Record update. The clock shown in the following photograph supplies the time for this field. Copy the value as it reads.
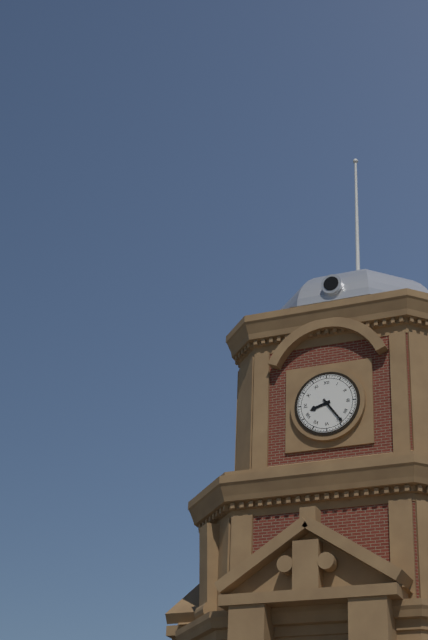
8:24
